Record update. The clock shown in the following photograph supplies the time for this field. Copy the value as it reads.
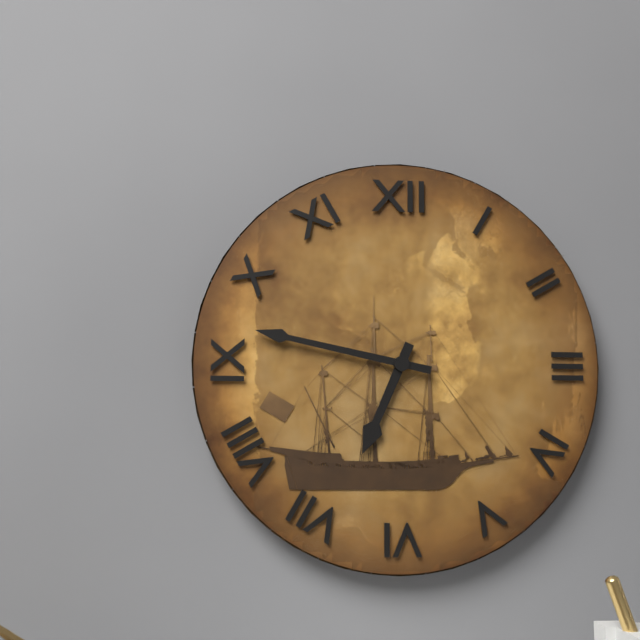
6:47
